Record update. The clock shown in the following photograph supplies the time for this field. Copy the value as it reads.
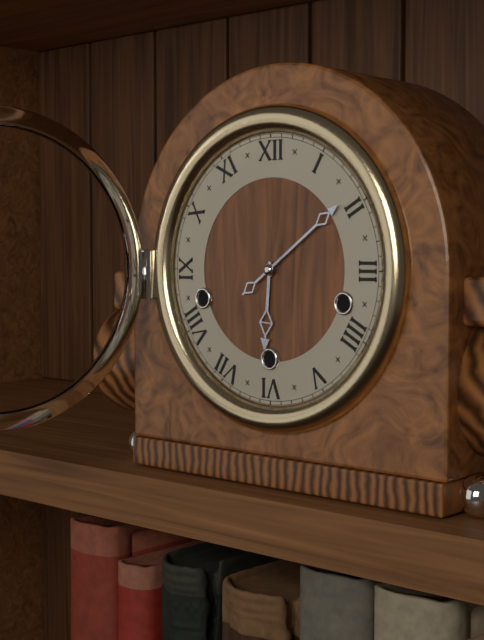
6:09
